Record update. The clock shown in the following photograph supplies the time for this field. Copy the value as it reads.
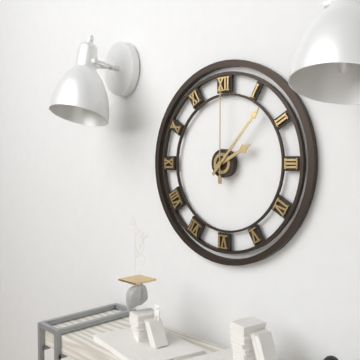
2:07:00
